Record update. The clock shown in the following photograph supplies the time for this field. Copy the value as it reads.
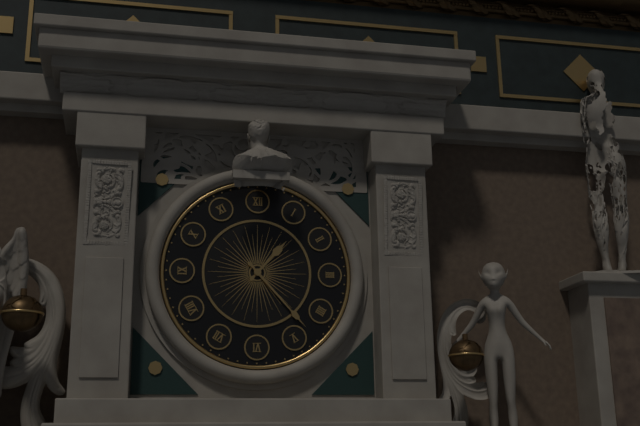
1:23
